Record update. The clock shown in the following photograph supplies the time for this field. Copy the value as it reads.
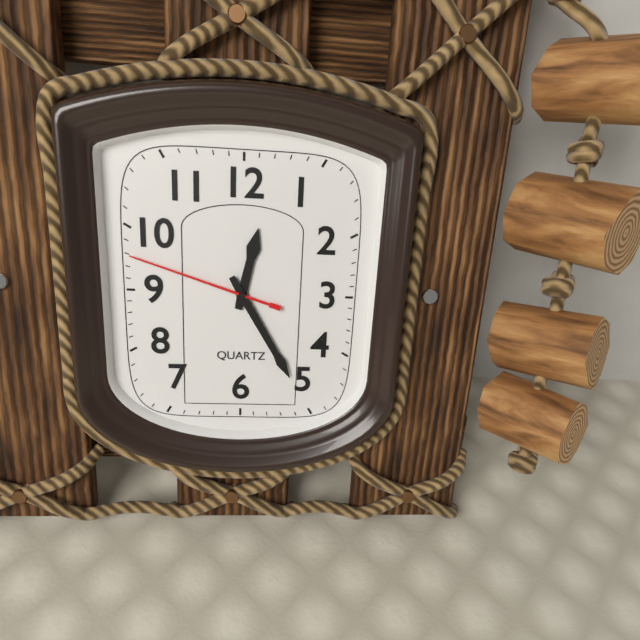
12:25:48
